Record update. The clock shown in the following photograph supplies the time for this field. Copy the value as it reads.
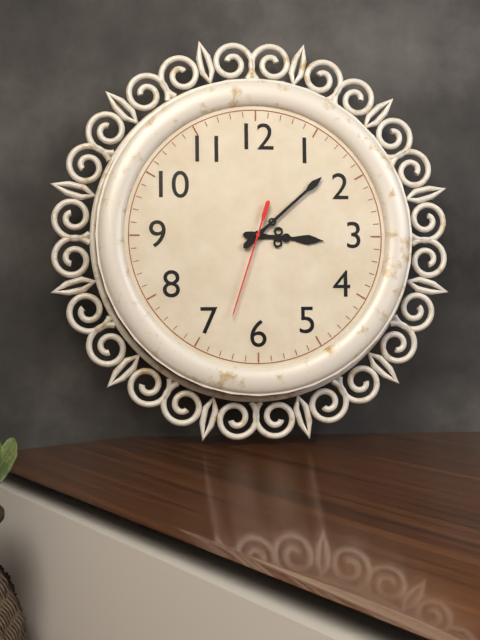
3:08:33
